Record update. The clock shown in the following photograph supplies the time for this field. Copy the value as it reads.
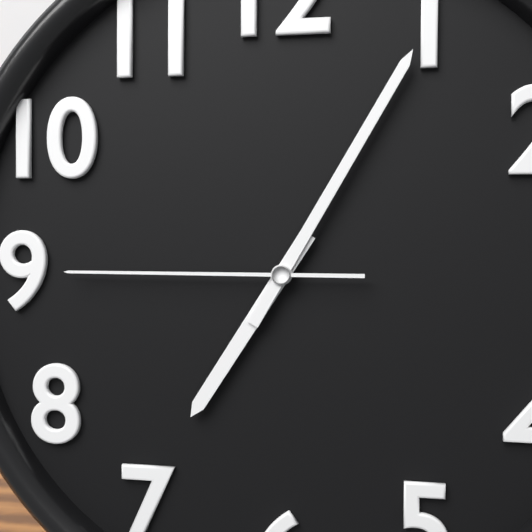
7:05:45
